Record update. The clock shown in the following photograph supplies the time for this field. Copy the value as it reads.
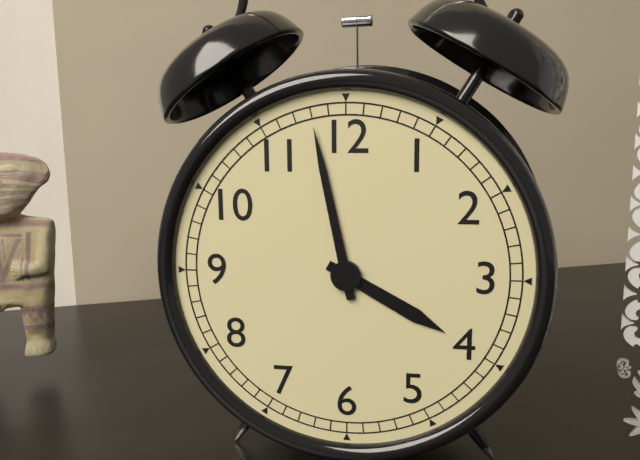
3:58
